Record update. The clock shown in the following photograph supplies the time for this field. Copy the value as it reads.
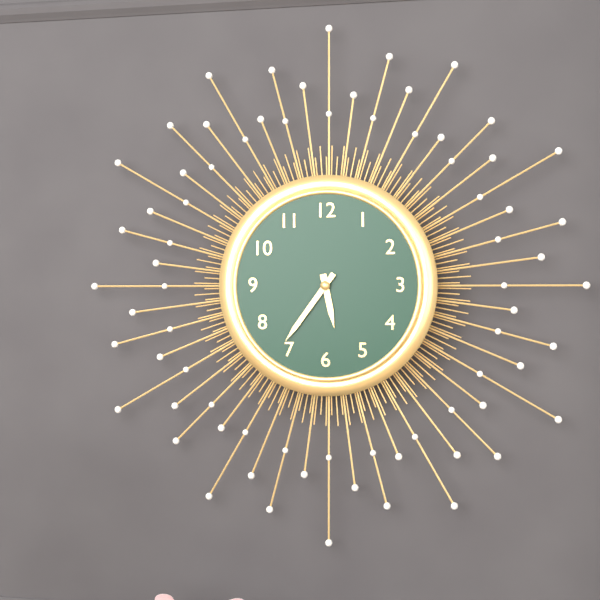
5:36
